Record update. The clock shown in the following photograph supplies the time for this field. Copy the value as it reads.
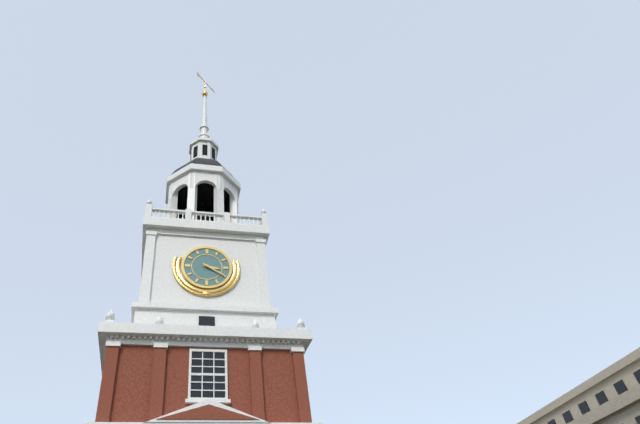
3:20
